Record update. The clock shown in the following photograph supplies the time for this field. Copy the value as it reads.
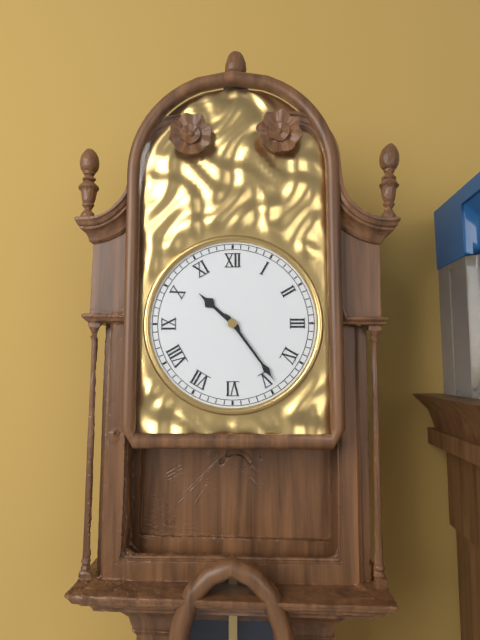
10:24
